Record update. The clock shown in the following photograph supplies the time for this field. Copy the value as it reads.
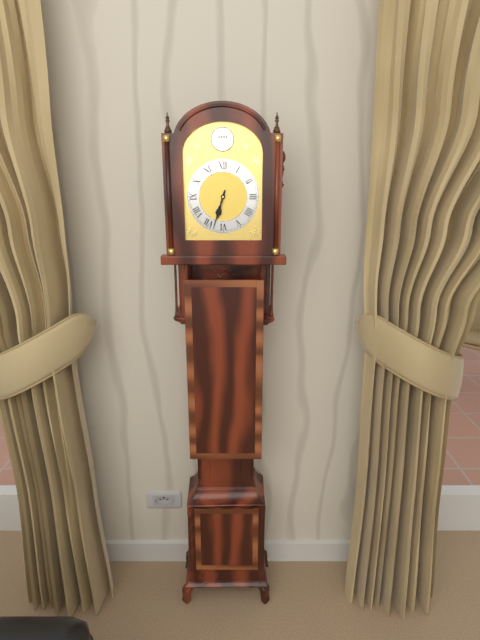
6:33
